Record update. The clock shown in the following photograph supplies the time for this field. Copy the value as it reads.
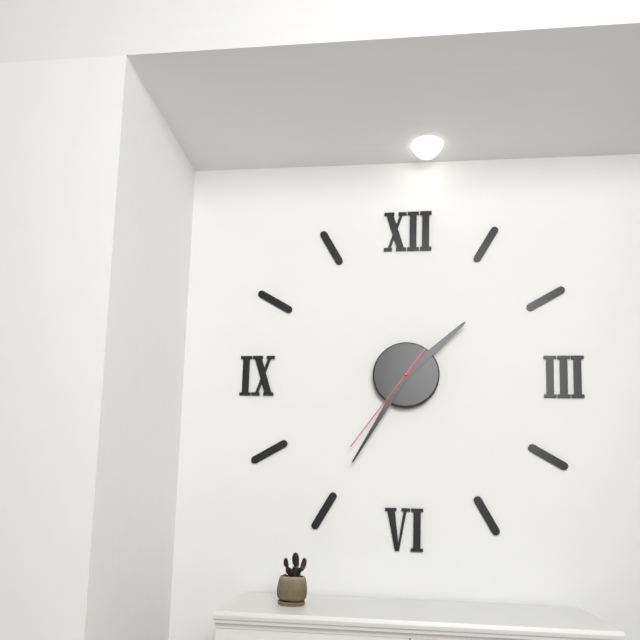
1:35:36
